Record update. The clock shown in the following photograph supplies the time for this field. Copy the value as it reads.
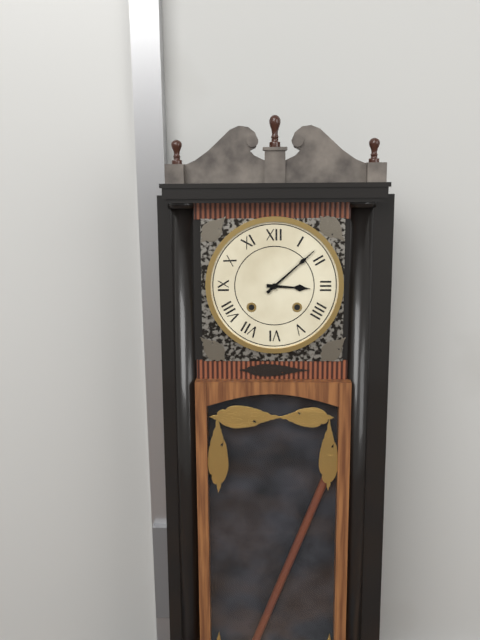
3:08
